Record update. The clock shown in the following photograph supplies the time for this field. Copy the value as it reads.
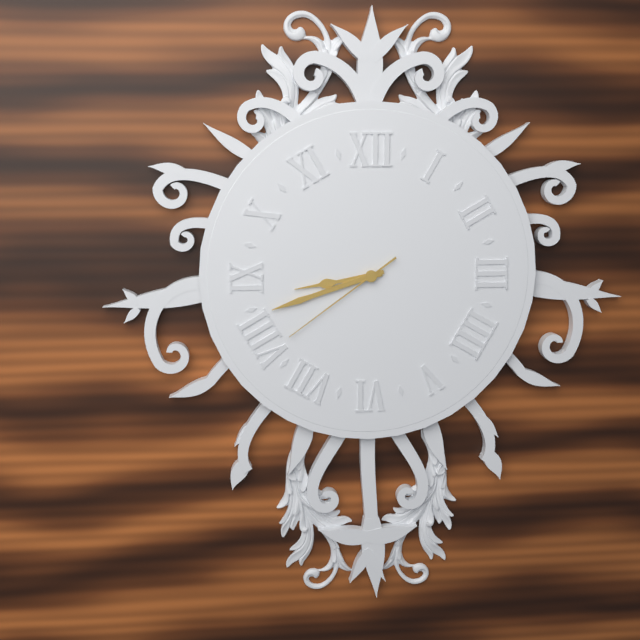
8:42:39
